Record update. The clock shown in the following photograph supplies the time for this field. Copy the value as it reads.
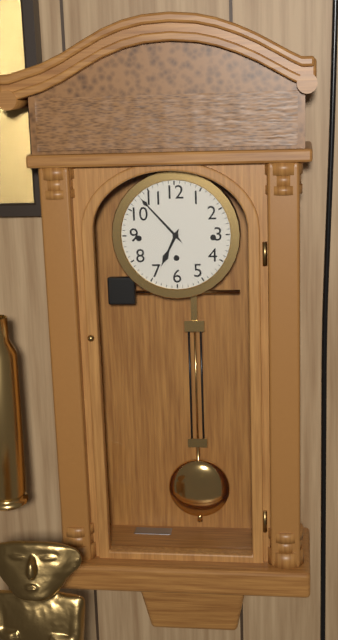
6:53
